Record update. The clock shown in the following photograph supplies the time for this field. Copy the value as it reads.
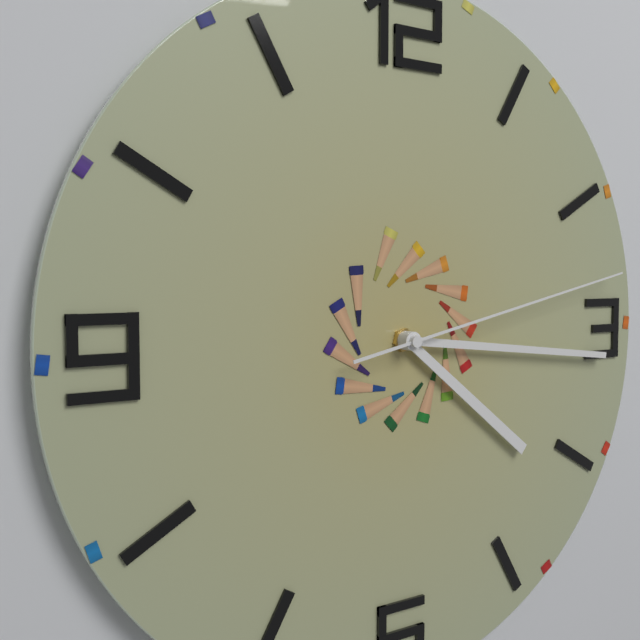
4:16:13
